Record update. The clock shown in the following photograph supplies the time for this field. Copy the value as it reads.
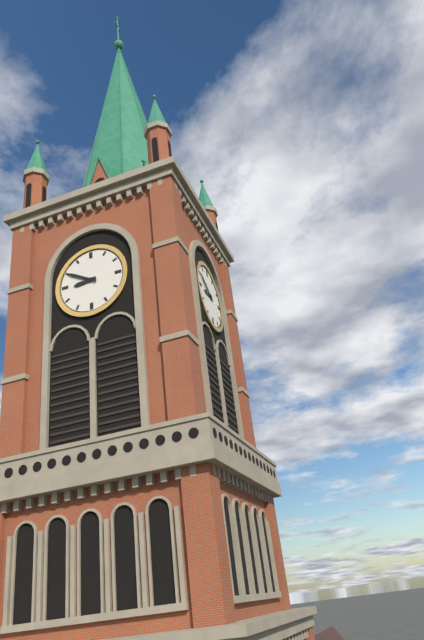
8:50
